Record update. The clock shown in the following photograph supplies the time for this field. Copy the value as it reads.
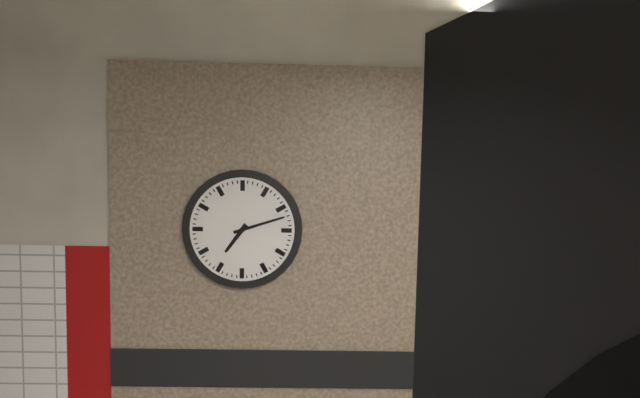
7:12
